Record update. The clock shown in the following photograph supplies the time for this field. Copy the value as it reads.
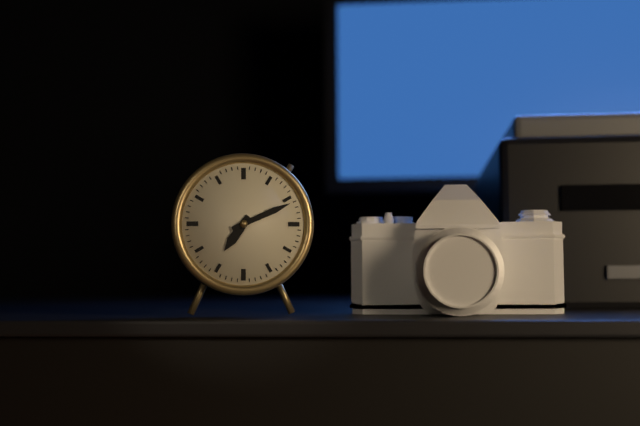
7:11
